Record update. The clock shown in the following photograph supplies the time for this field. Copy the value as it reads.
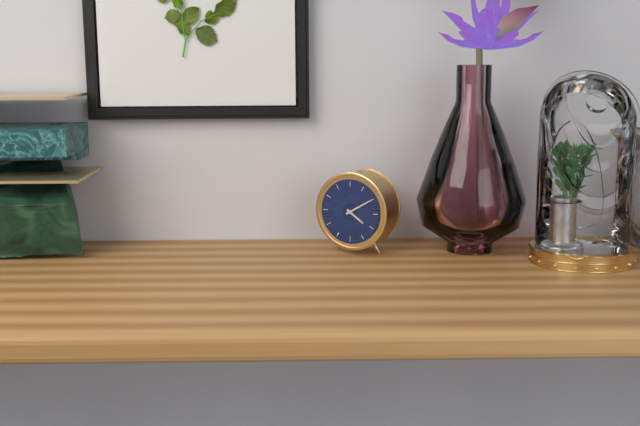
4:10
